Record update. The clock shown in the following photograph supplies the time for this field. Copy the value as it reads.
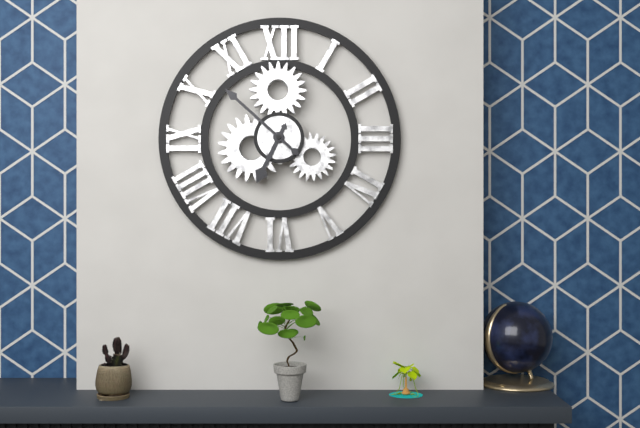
6:52
